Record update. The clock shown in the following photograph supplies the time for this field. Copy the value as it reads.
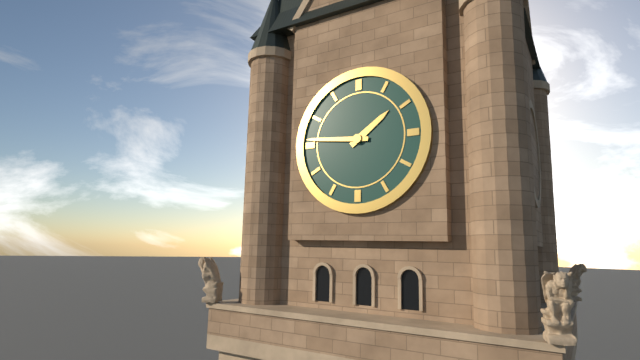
1:46
